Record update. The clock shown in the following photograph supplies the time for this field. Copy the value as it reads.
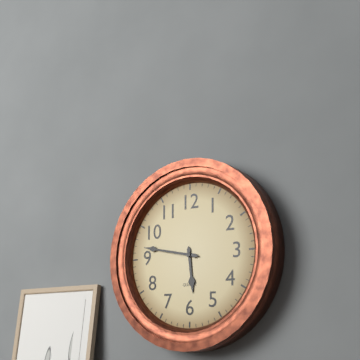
5:47
